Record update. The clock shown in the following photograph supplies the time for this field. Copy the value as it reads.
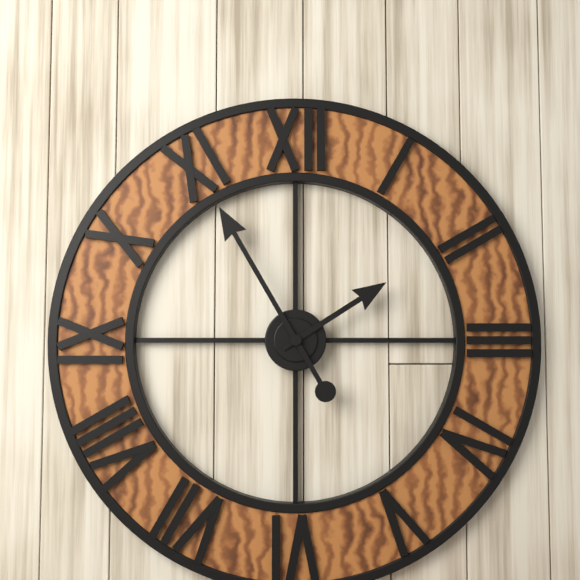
1:55
